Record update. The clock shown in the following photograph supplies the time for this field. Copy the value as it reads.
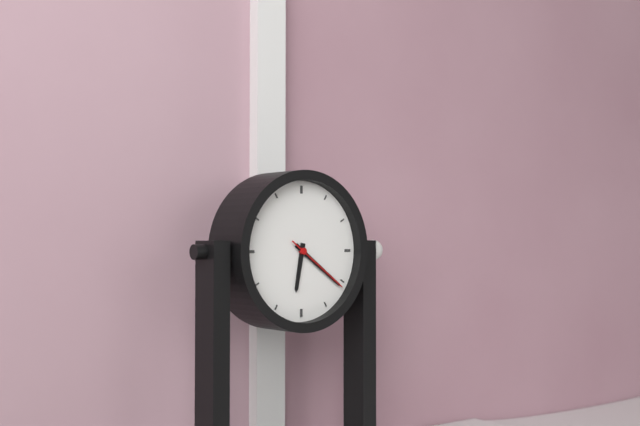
6:21:21
